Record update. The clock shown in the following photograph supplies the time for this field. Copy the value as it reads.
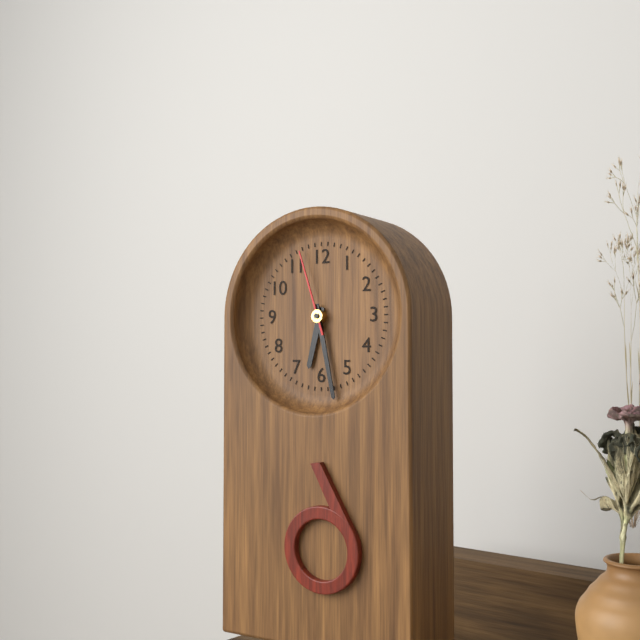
6:28:57
